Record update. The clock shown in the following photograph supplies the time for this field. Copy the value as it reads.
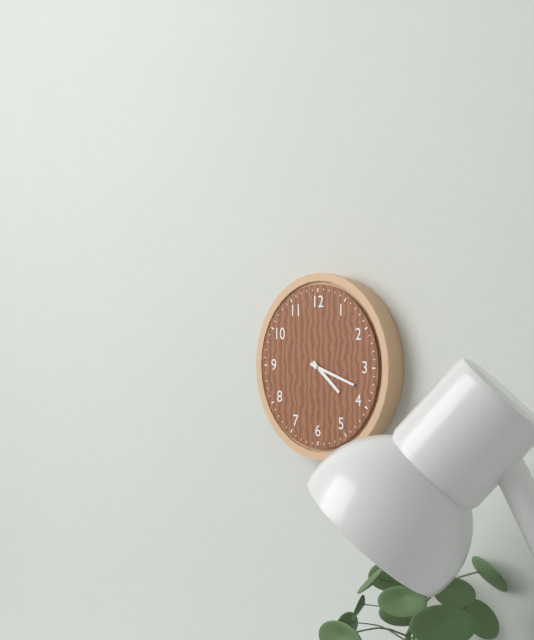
4:18
